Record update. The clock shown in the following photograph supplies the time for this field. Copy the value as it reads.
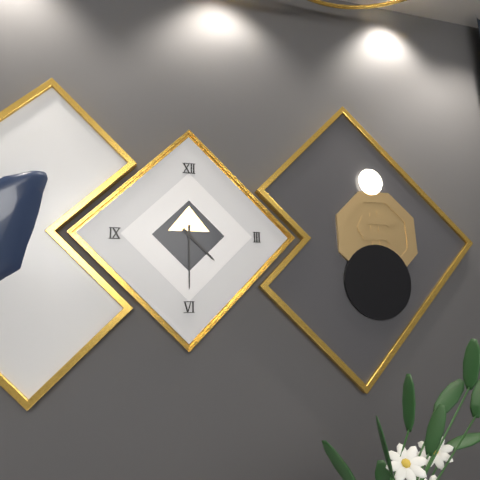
4:30
